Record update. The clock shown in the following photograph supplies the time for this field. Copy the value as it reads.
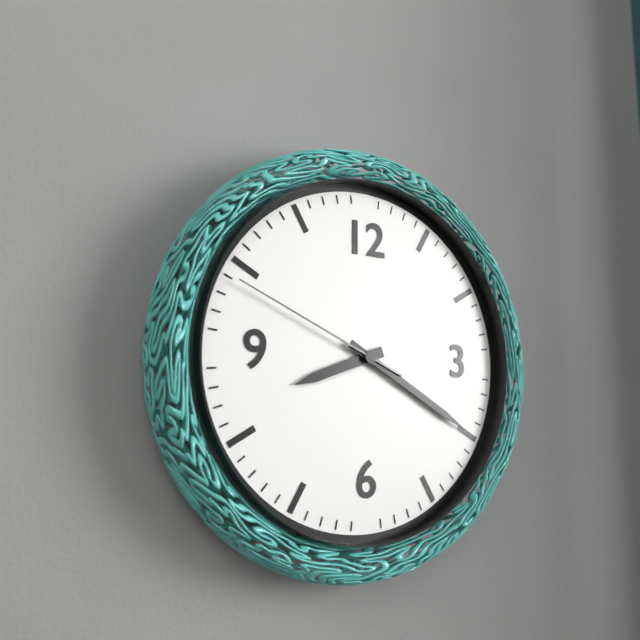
8:20:49
